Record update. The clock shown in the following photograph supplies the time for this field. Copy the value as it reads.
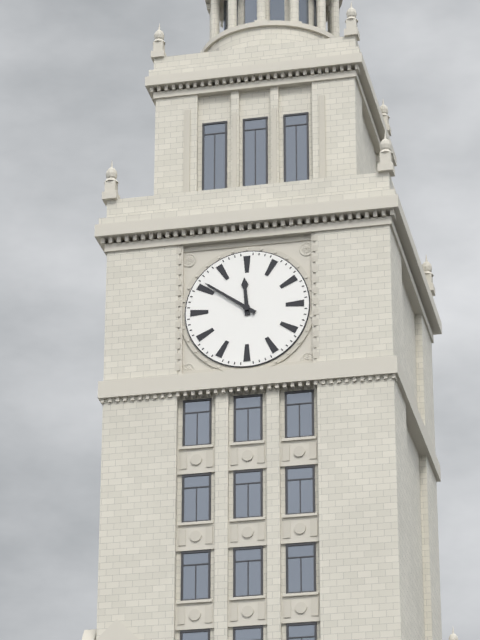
11:51
